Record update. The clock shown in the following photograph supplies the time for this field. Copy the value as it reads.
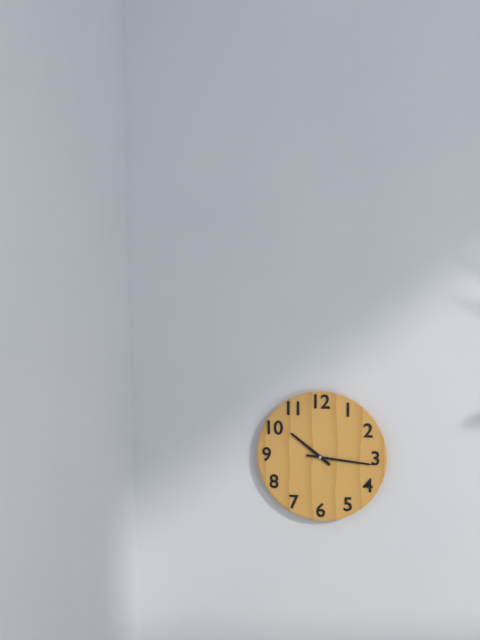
10:16
